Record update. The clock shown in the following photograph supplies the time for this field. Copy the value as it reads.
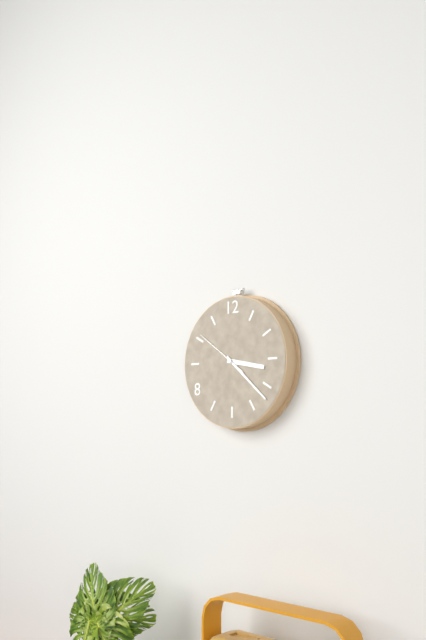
3:22:51
